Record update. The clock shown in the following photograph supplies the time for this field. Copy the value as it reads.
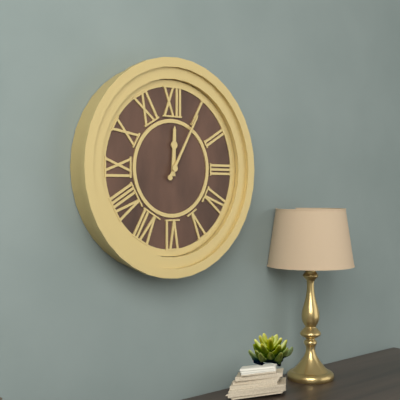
12:05
